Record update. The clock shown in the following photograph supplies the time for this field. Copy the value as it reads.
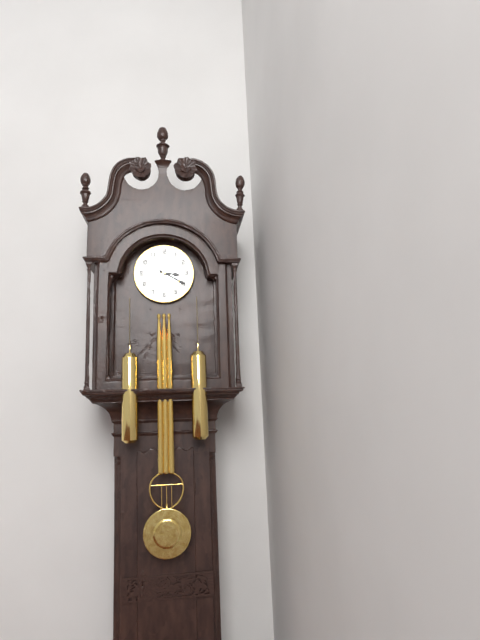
3:20
